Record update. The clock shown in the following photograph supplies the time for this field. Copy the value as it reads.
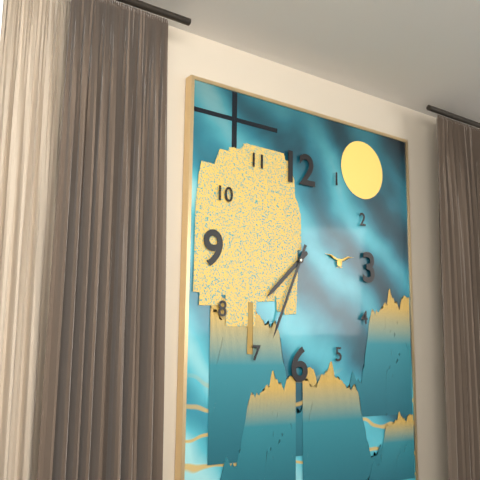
7:34
